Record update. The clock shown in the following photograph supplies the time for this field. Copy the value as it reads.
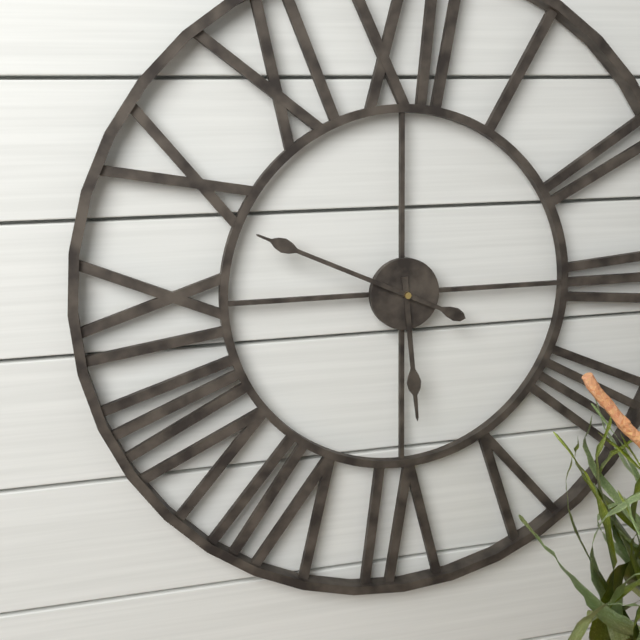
5:49
